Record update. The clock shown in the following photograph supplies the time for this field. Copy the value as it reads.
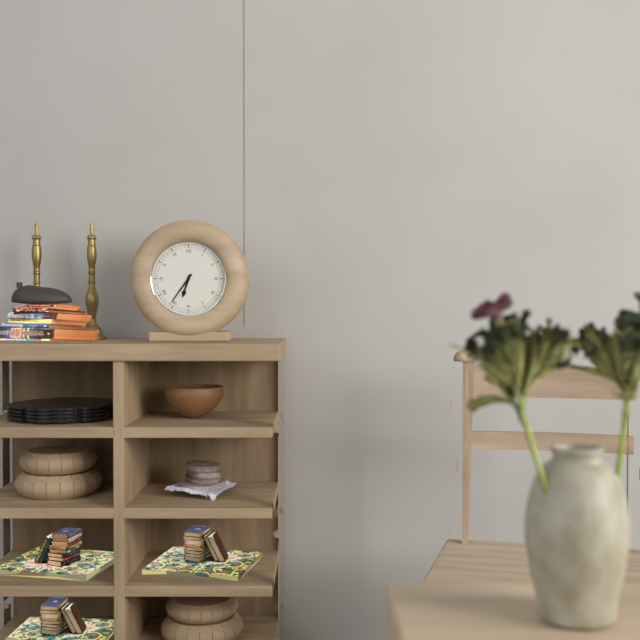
6:36
